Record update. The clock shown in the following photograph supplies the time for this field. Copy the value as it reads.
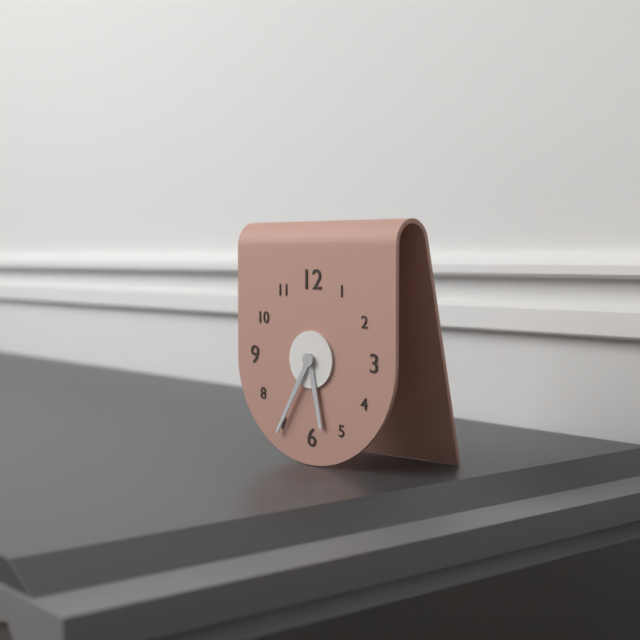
5:35
